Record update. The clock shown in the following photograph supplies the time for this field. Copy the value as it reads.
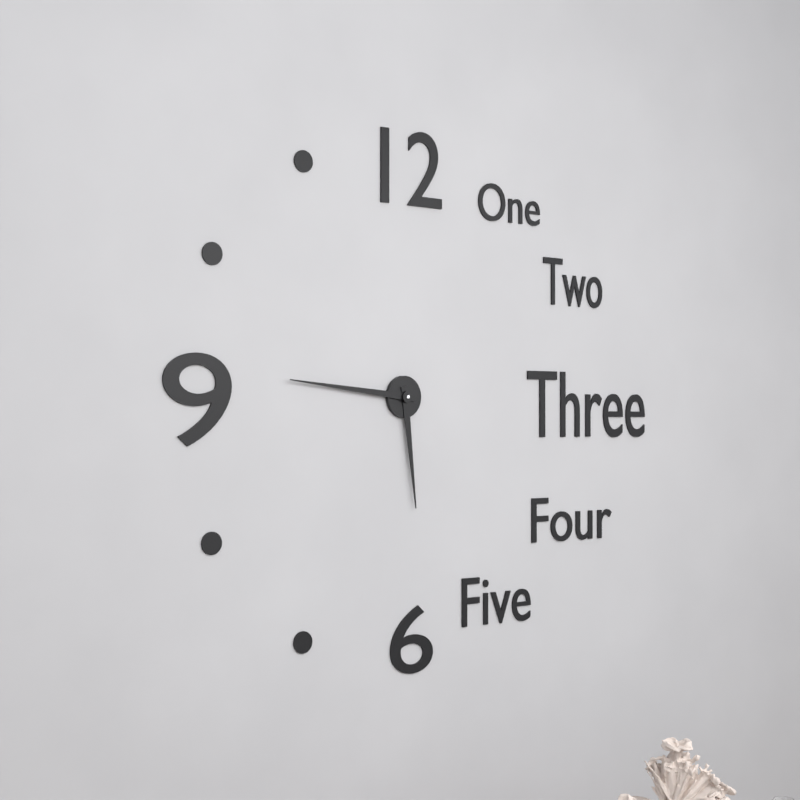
5:46
